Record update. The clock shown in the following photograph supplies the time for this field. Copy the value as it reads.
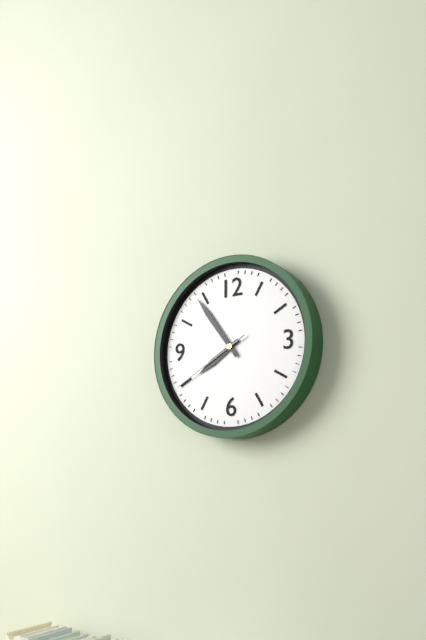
7:54:40
